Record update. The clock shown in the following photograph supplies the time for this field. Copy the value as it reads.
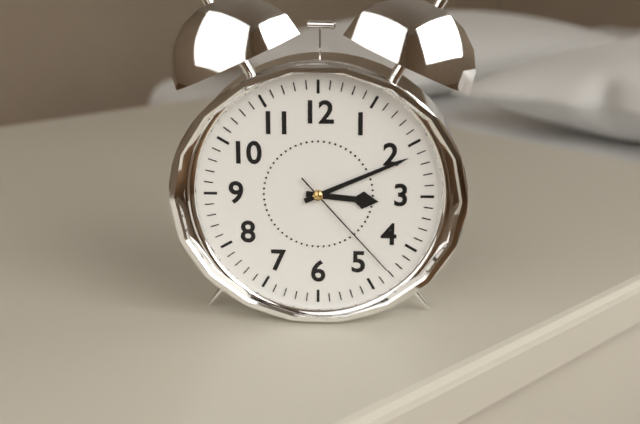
3:11:23
